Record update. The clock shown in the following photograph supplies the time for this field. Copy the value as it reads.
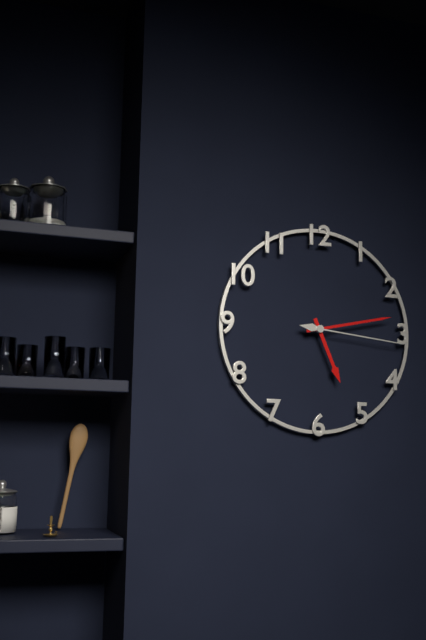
5:13:16
